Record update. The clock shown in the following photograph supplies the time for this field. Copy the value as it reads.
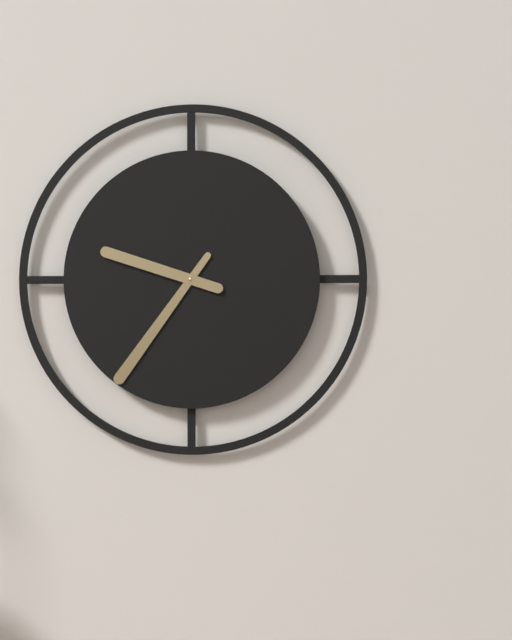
9:36
